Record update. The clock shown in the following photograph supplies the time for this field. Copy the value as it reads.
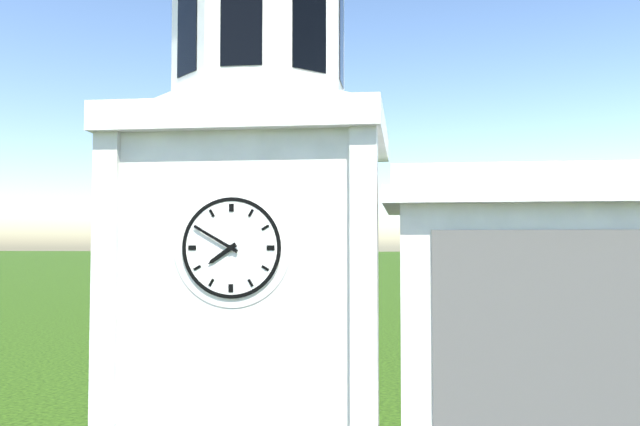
7:50
